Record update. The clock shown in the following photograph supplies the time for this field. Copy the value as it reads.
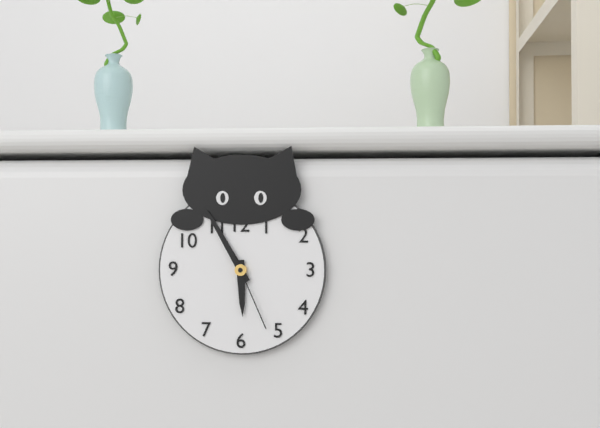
5:55:26
